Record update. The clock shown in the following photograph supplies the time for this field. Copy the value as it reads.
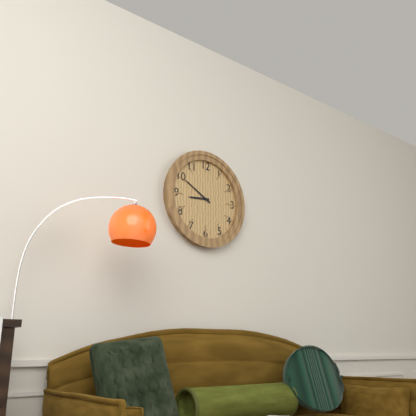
8:50
